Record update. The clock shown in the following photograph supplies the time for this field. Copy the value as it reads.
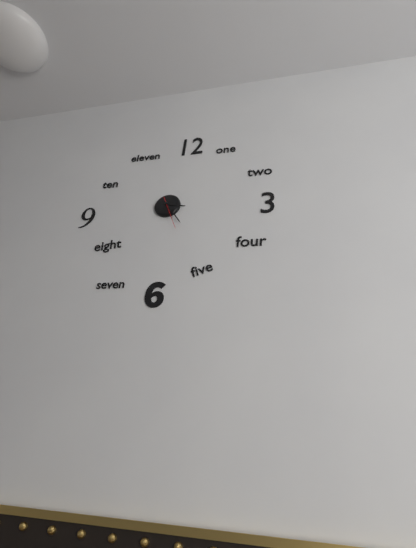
3:24
